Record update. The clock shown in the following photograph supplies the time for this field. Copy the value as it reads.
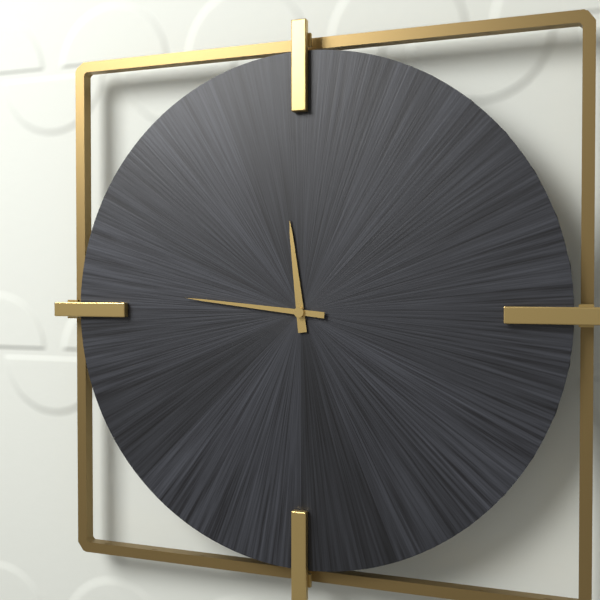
11:46
